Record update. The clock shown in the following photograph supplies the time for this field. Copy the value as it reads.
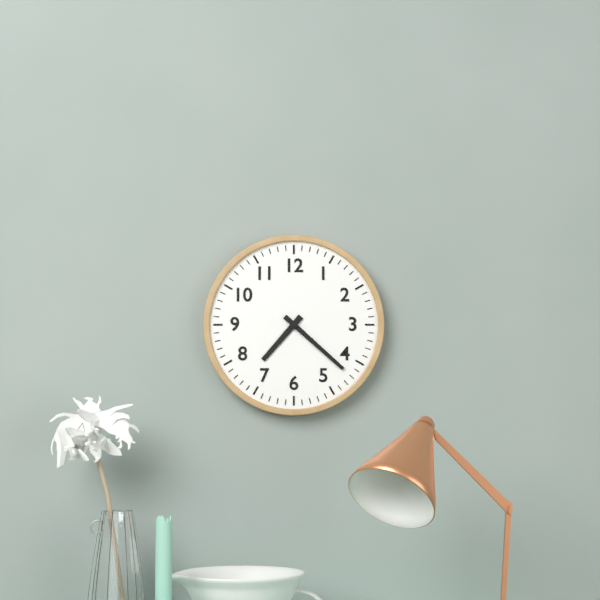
7:22
